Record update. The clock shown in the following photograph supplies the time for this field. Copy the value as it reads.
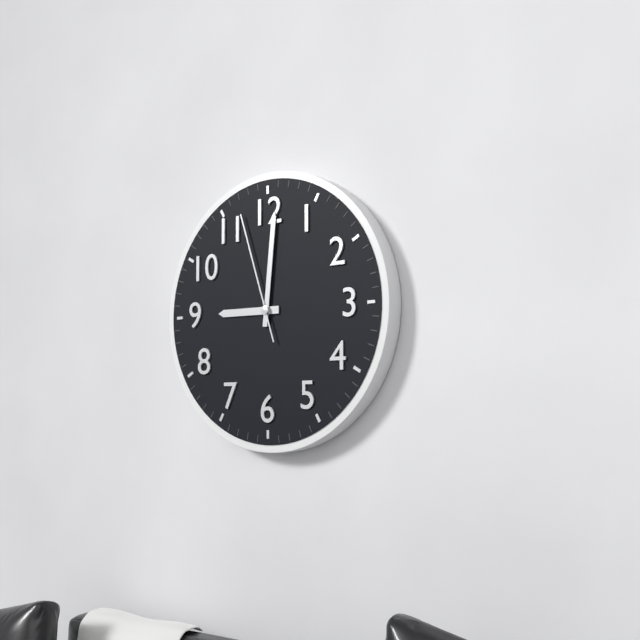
9:01:57
